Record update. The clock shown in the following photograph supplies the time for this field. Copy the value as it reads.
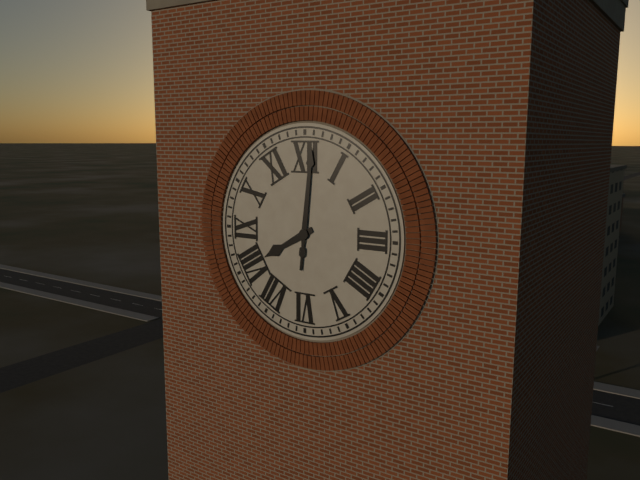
8:01
